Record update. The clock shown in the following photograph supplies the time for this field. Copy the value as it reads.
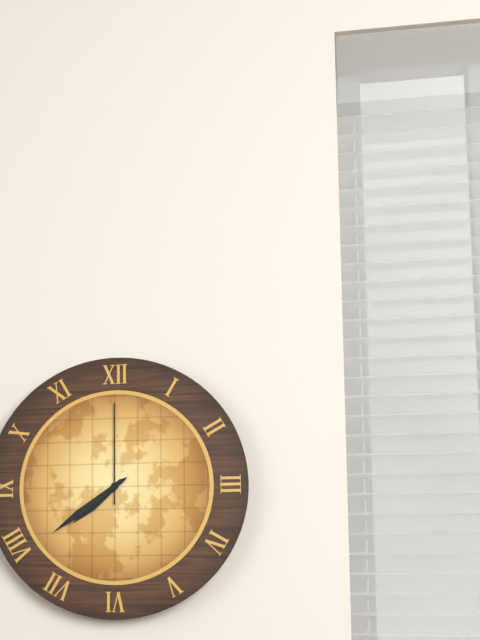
7:39:00
